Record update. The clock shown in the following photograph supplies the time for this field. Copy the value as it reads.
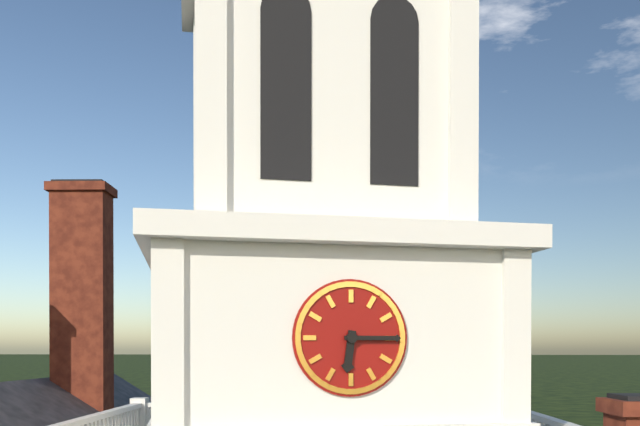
6:15
